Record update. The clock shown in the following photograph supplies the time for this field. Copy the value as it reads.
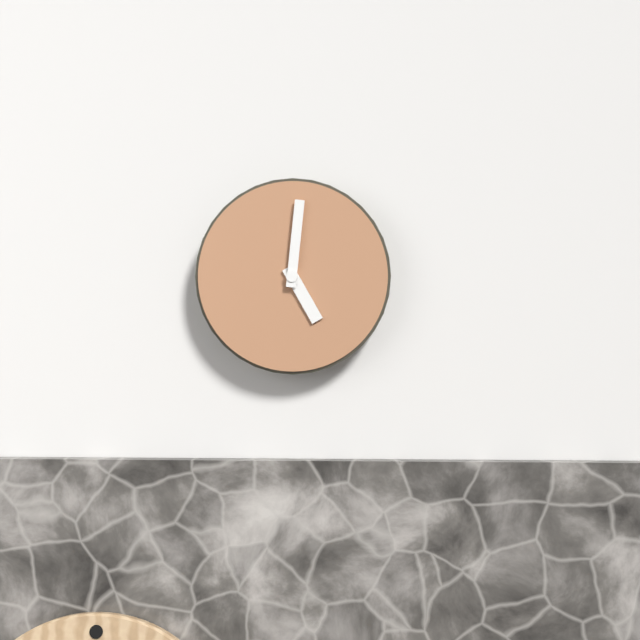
5:01
